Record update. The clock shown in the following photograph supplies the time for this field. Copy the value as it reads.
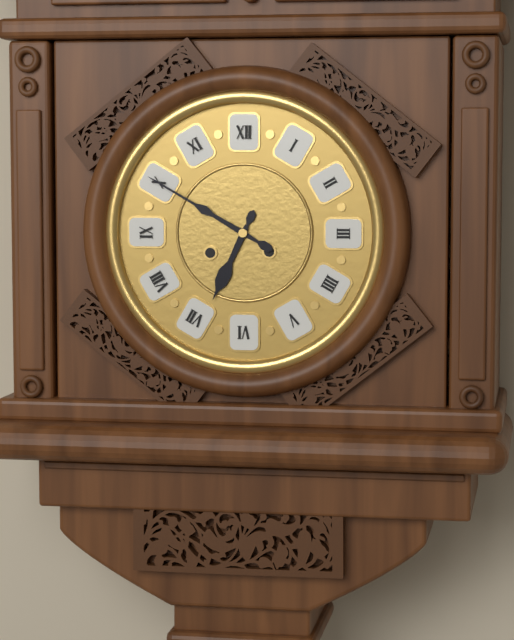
6:50
